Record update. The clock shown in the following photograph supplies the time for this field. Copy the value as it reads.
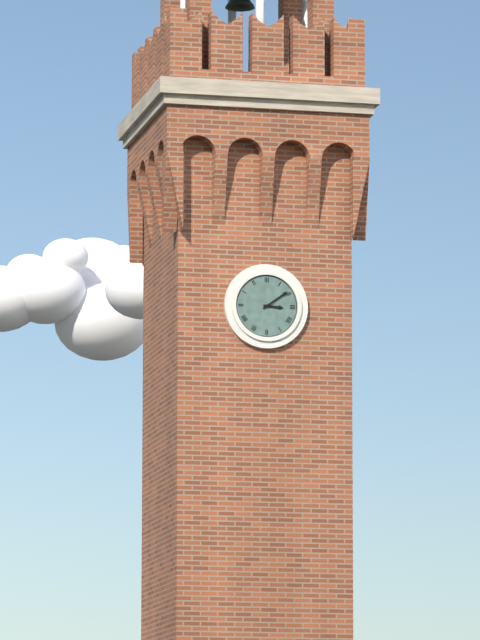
3:09
